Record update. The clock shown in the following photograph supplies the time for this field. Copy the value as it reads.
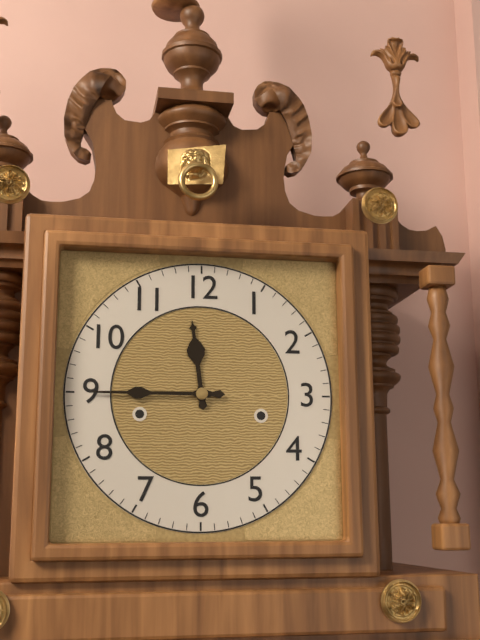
11:45
